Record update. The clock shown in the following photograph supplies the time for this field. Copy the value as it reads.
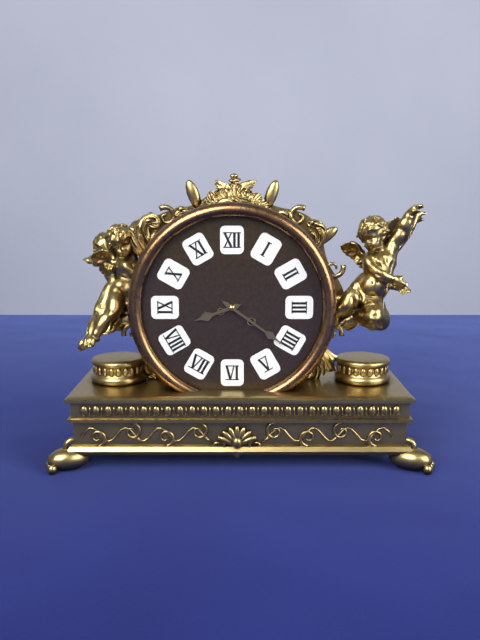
8:21
